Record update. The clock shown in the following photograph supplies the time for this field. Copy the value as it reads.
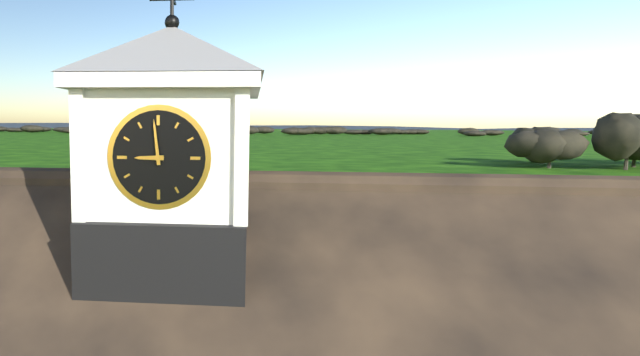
8:59
